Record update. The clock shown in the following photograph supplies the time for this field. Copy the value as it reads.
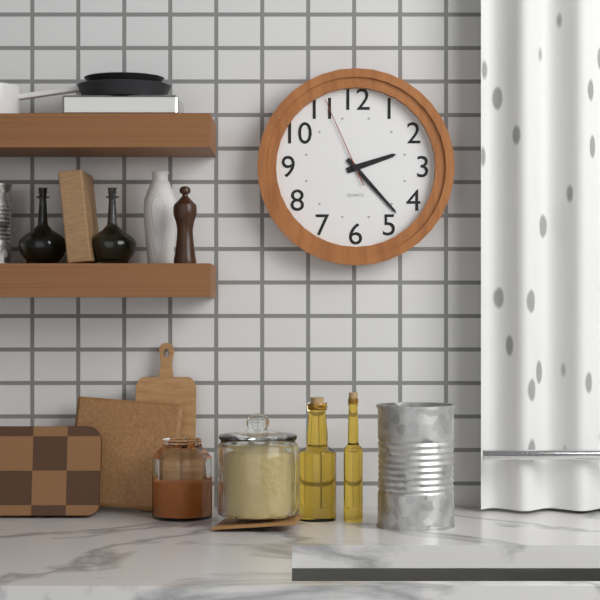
2:23:56
